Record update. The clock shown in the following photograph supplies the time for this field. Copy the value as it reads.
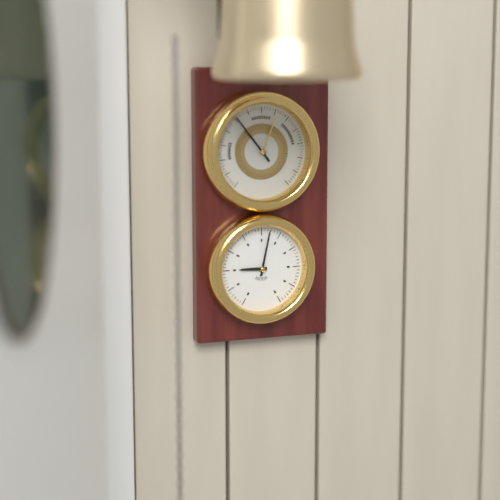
9:02
